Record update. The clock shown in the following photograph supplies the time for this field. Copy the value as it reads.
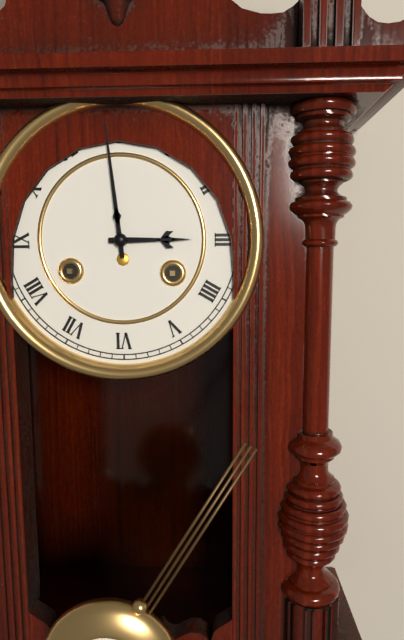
2:59
